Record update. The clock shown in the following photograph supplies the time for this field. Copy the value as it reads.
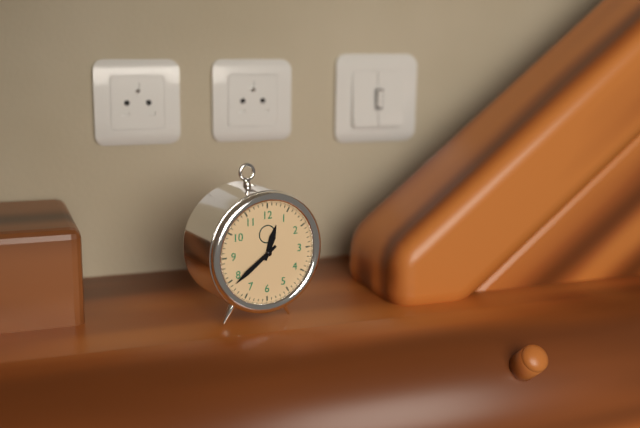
12:39
